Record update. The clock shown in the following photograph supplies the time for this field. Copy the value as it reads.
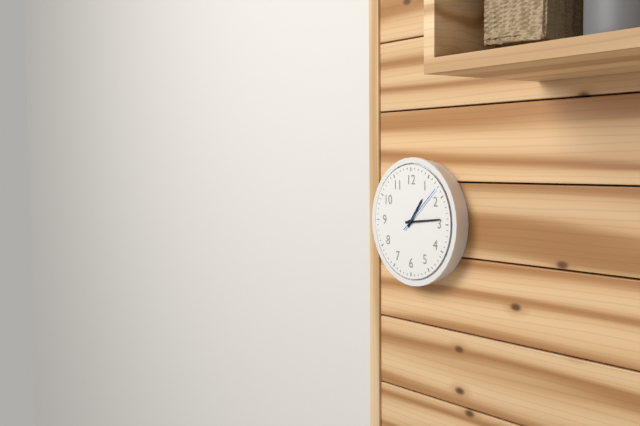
1:14:08
